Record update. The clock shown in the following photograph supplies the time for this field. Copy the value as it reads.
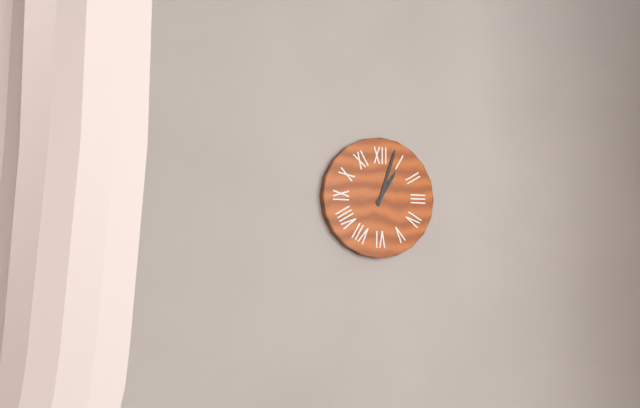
1:03
